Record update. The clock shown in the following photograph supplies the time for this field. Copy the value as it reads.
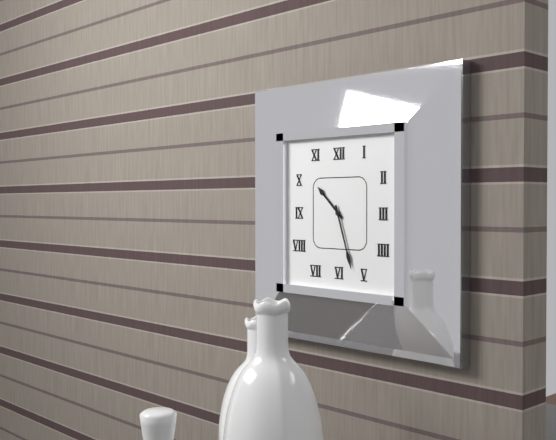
10:27
